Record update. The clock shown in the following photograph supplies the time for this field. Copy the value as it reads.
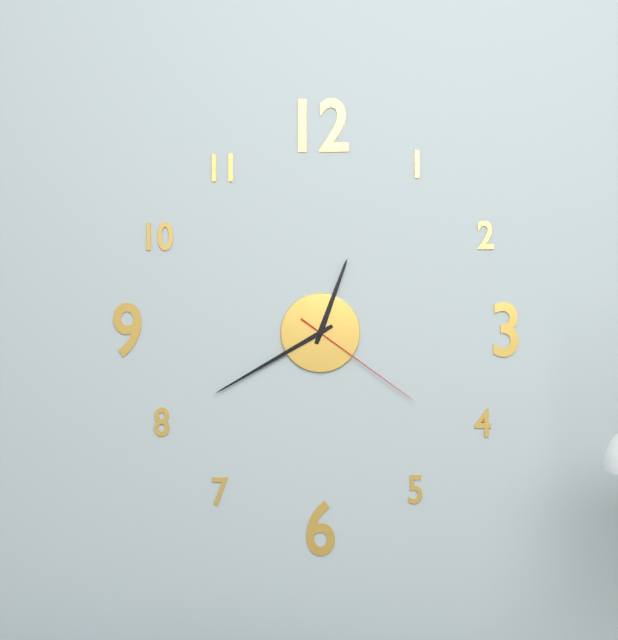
12:40:21
